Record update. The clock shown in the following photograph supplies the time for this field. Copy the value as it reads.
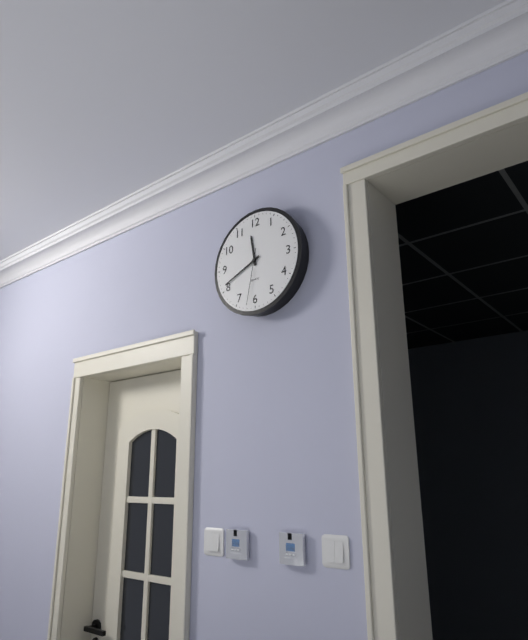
11:41:32
